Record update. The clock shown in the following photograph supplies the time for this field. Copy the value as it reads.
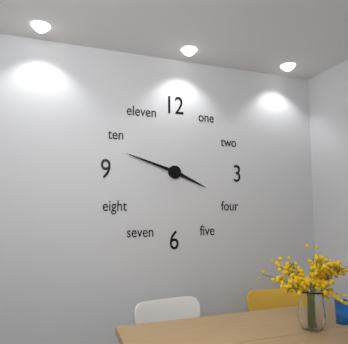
3:48
